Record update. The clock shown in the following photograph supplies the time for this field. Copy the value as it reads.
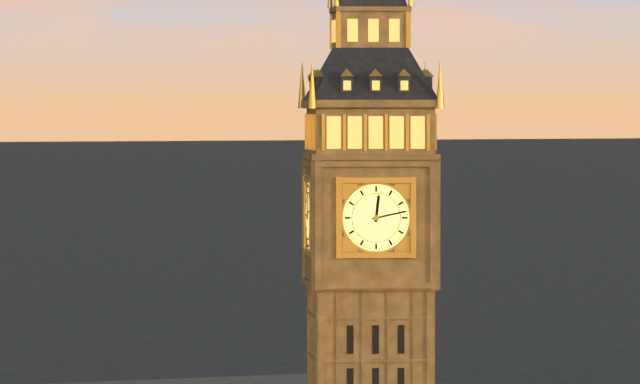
12:13
